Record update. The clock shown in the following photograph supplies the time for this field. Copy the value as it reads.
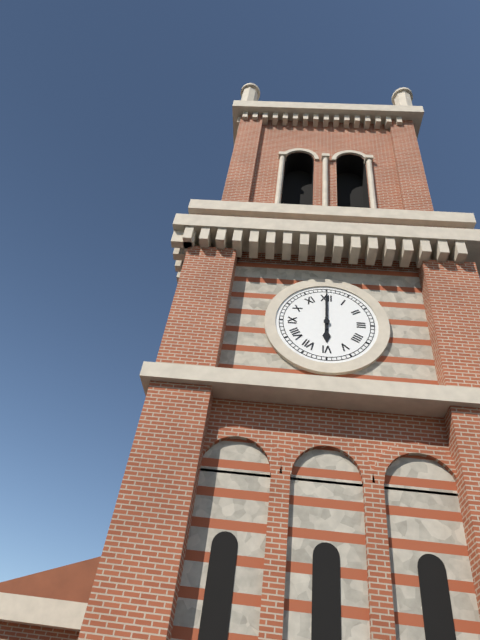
6:00
